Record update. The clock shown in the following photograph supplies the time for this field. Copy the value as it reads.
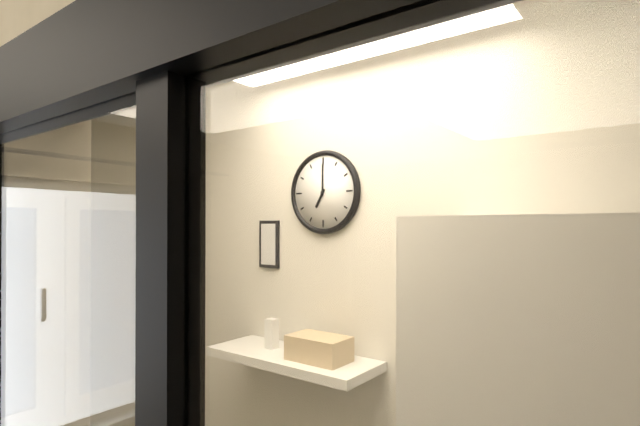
7:00
